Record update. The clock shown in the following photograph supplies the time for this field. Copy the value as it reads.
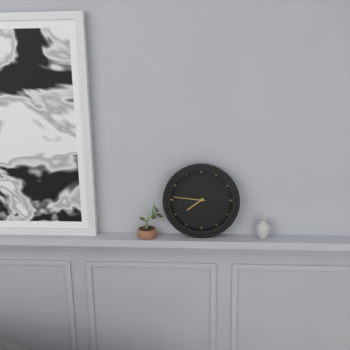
7:46
